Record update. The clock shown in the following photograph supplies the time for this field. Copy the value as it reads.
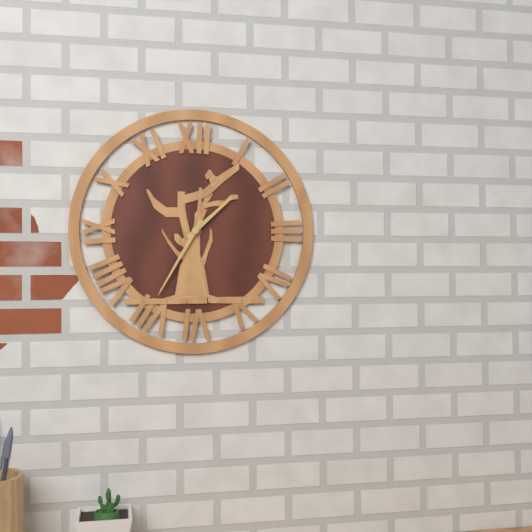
1:35
